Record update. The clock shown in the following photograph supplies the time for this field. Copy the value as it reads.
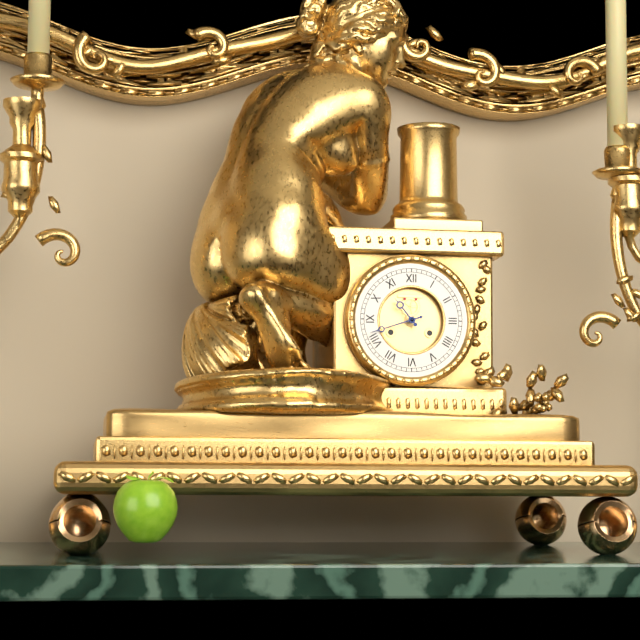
10:42
